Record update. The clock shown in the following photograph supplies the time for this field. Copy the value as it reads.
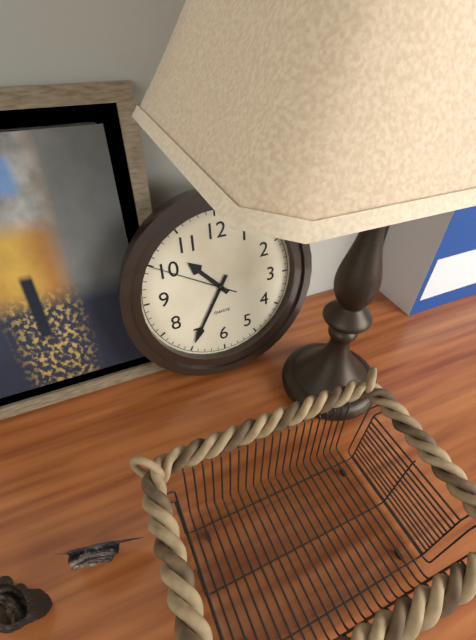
10:35:50
